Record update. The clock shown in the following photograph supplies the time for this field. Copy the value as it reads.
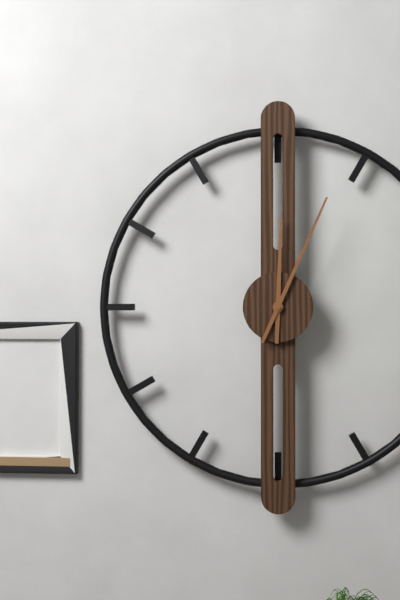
12:04
